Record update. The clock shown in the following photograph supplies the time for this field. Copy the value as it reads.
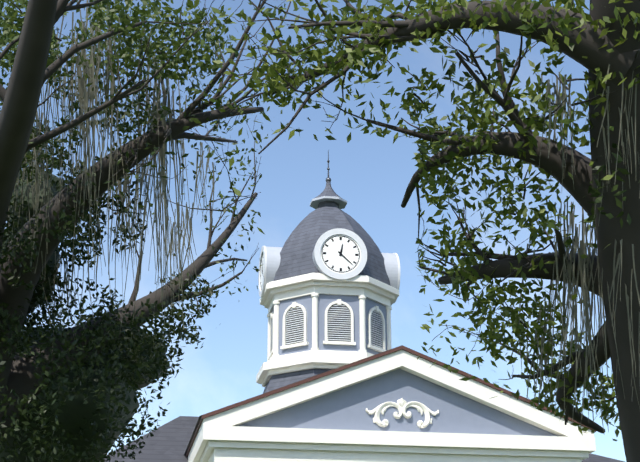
12:22
